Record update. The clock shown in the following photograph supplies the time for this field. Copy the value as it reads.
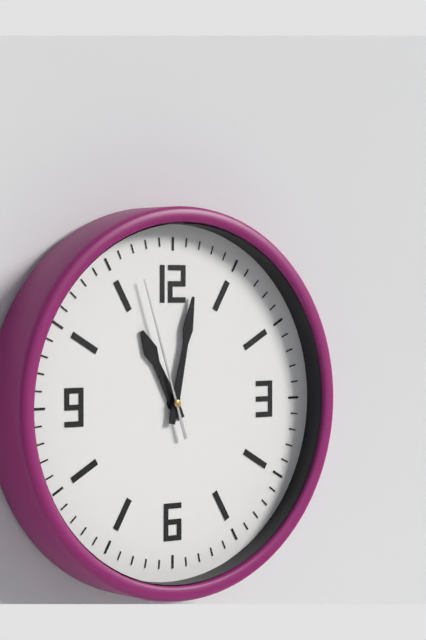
11:02:57
